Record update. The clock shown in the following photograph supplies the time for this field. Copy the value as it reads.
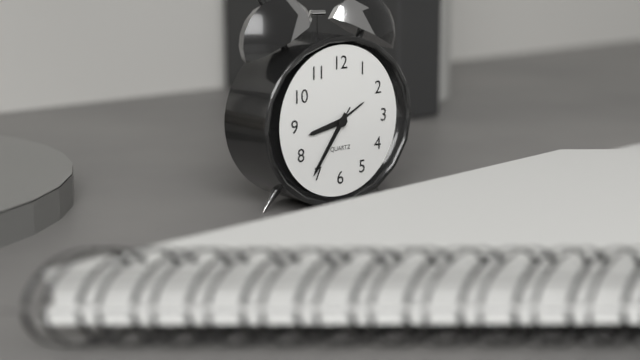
8:36:36
